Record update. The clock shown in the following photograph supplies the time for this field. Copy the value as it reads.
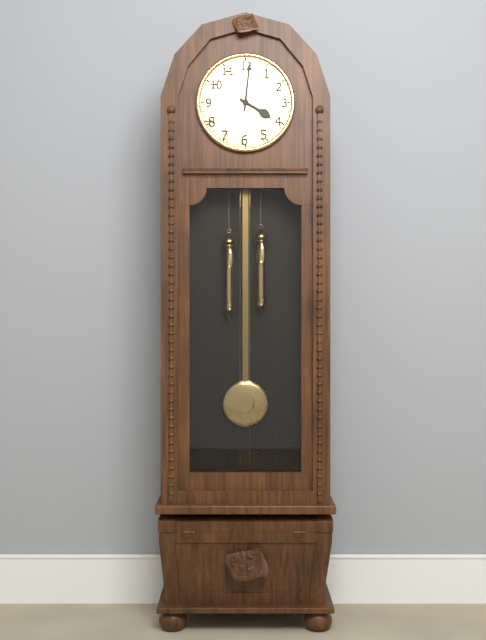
4:01
